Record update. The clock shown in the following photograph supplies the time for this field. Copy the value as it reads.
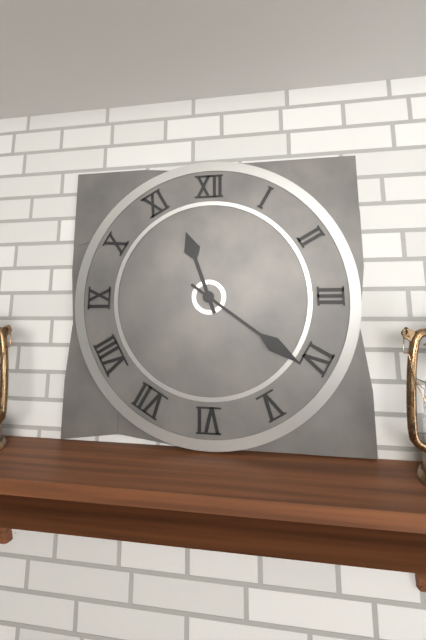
11:21
